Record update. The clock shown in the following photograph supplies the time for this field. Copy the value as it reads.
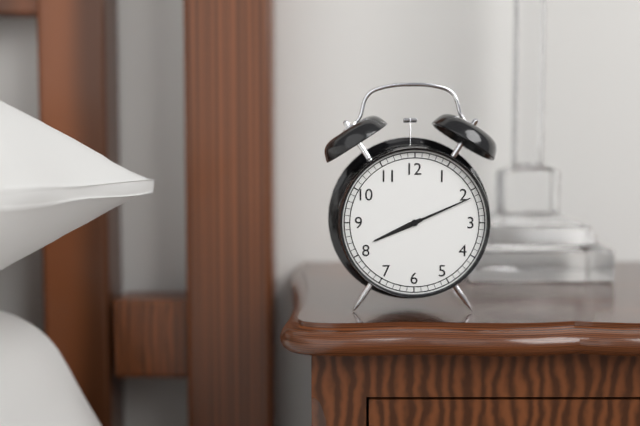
8:11
